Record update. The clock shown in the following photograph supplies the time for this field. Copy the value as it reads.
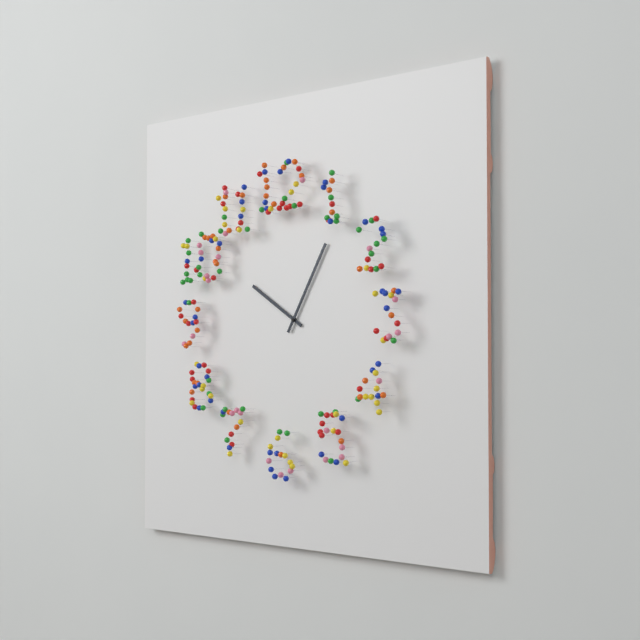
10:05
